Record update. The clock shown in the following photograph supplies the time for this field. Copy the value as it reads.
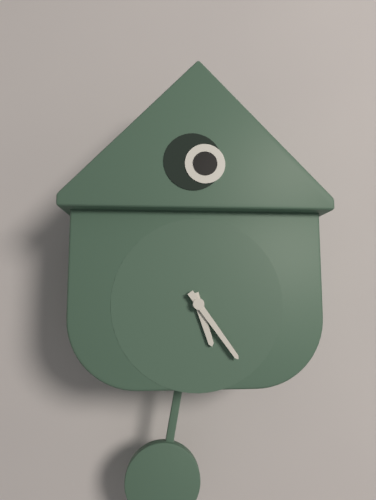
5:24
